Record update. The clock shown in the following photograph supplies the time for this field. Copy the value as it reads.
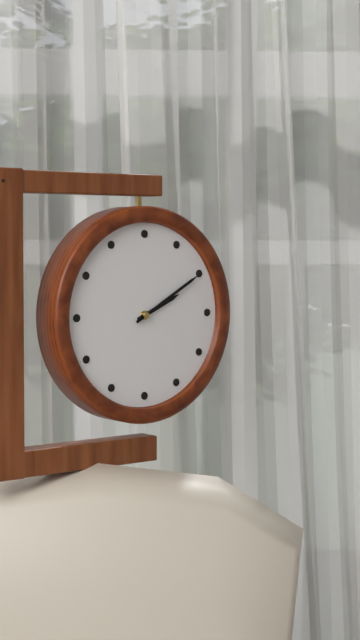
2:10
